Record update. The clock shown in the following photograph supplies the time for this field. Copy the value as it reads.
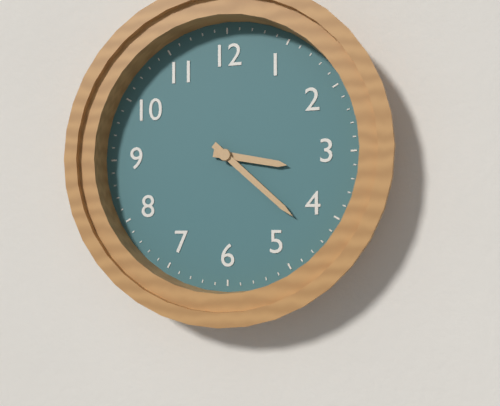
3:22
